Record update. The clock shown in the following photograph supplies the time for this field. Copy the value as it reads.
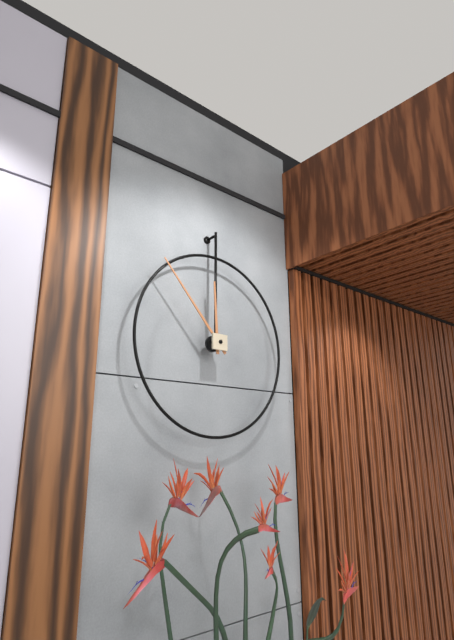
11:53
